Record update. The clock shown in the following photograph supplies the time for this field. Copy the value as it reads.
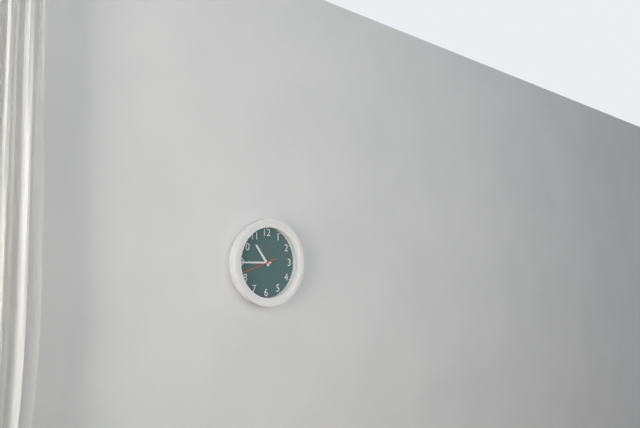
10:45
